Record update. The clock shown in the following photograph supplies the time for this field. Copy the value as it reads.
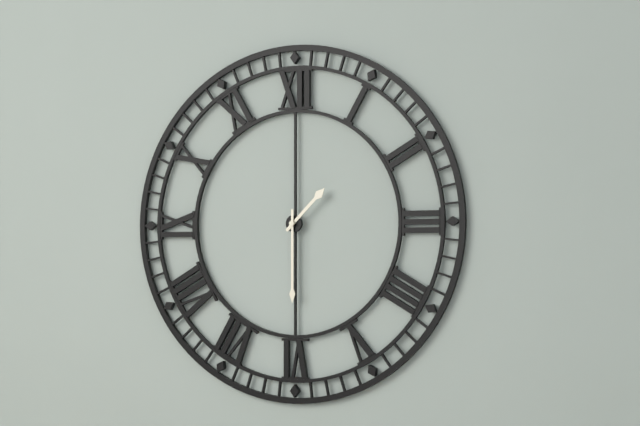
1:30
